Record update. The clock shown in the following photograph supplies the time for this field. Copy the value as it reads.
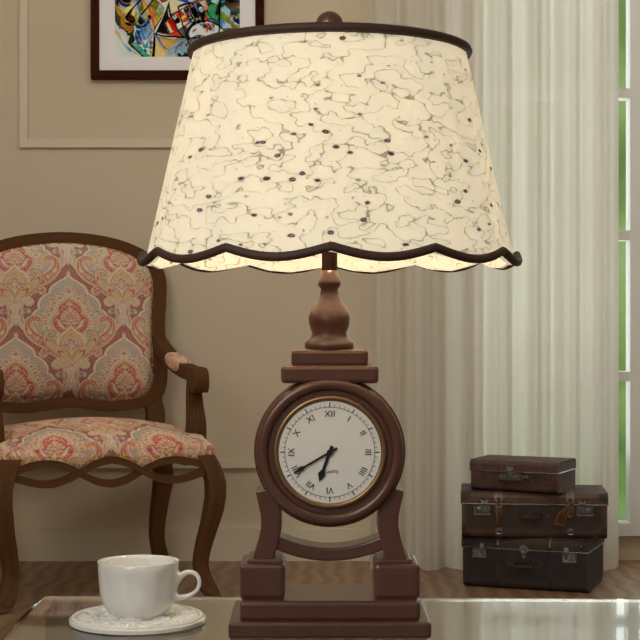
6:40
